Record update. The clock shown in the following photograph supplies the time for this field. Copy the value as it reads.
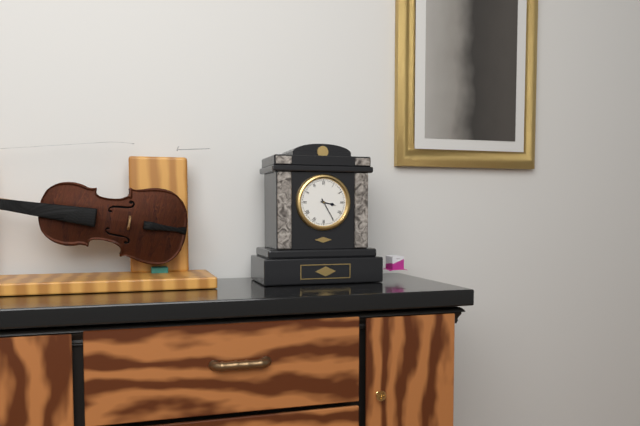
3:25
